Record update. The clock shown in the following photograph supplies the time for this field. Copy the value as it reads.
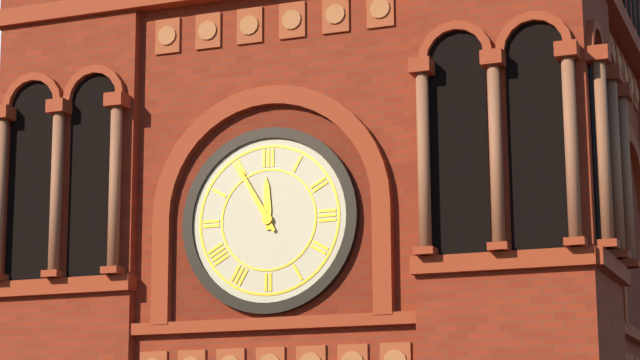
11:55
